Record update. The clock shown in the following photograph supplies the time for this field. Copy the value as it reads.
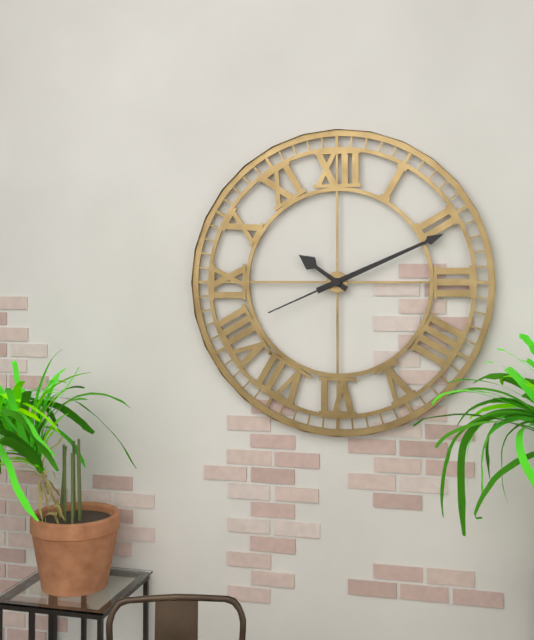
10:11:41
